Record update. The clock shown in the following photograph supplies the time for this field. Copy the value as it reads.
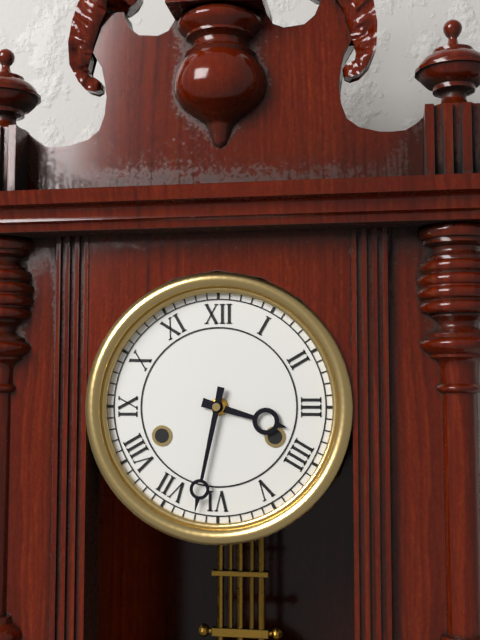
3:32
